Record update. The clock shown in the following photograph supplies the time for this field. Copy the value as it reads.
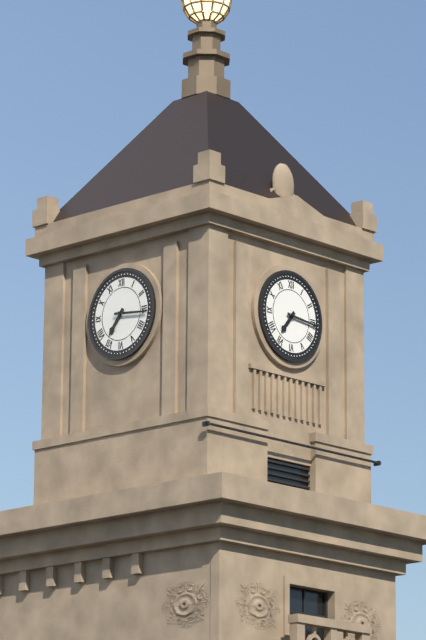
7:16
